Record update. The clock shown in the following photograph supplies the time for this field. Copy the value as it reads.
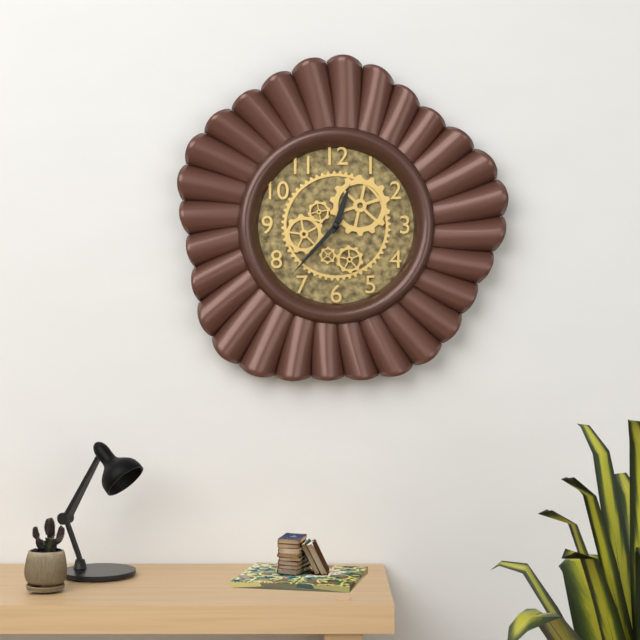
12:37
